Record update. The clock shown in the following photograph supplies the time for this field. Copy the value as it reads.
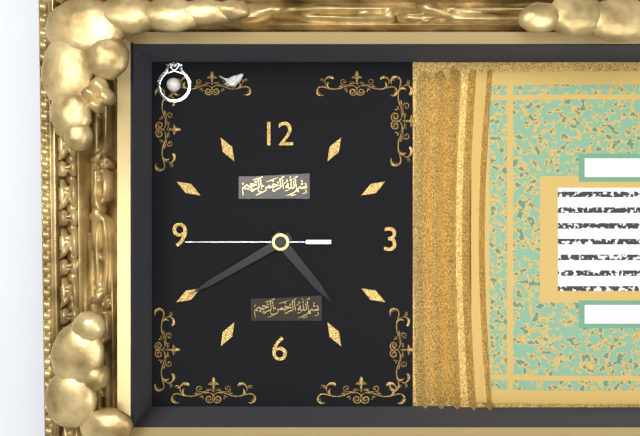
4:40:45
